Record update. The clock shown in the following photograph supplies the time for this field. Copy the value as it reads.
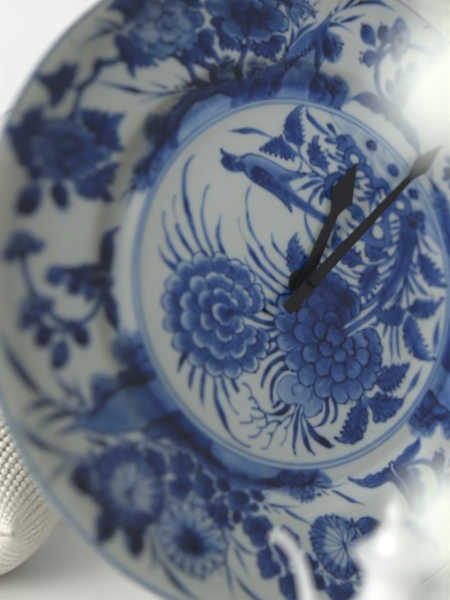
1:09
